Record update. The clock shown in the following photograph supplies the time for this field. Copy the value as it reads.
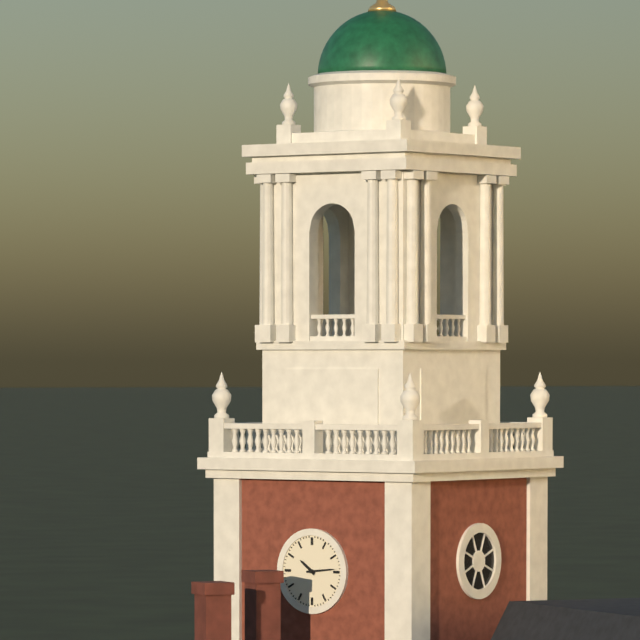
10:14
